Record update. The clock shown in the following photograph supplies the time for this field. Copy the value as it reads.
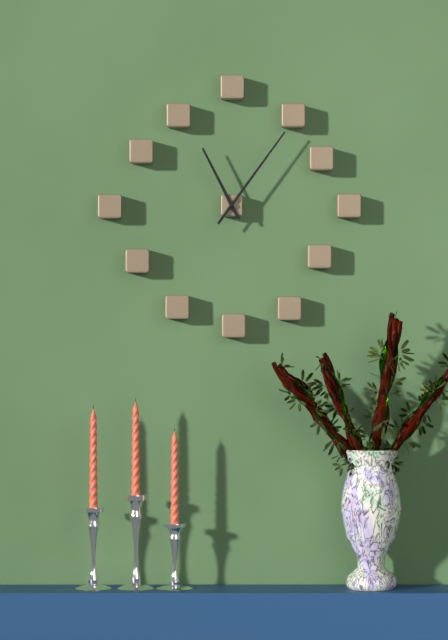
11:06
